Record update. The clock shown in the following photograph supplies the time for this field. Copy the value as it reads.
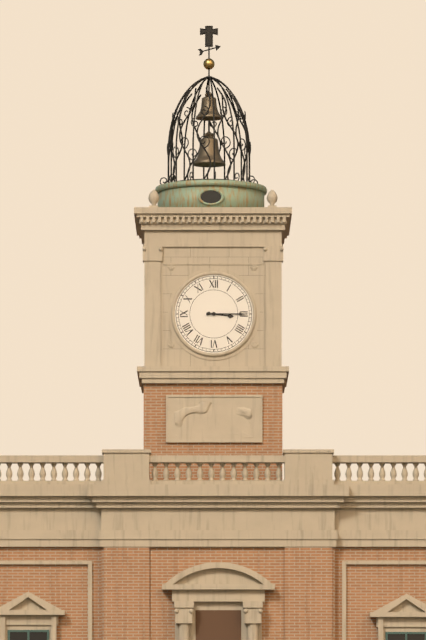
3:15
